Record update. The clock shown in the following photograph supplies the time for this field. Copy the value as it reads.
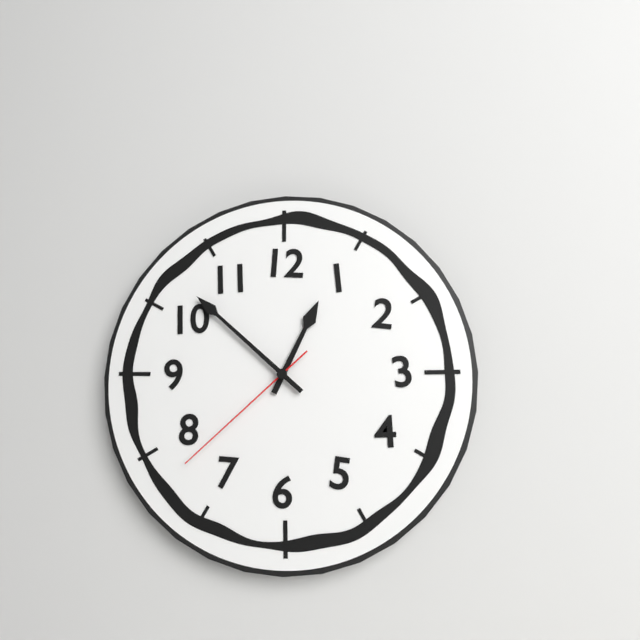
12:52:38
